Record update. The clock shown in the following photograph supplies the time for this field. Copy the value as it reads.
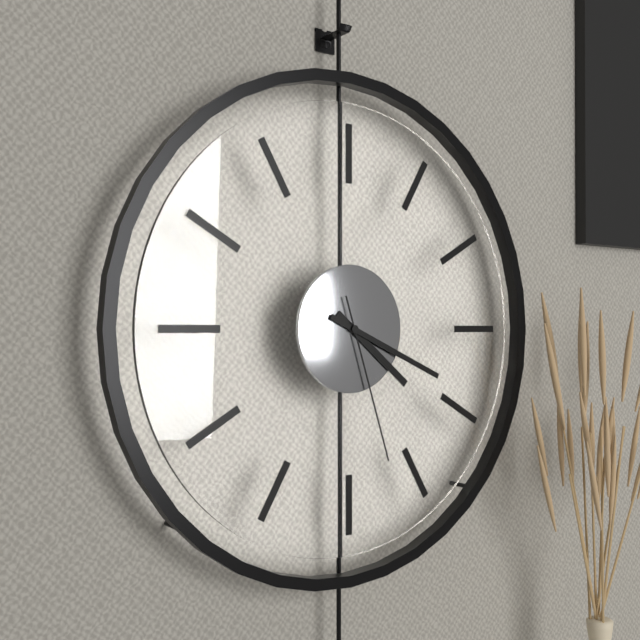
4:19:27
